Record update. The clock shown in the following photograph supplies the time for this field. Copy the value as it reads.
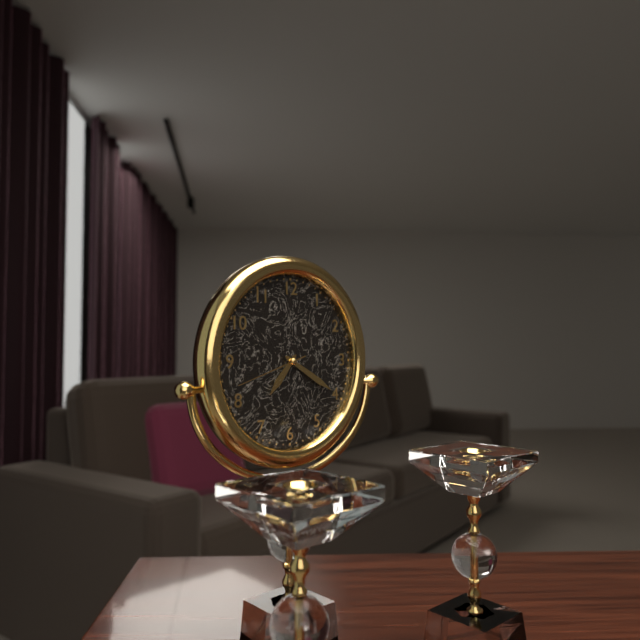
7:20:42
